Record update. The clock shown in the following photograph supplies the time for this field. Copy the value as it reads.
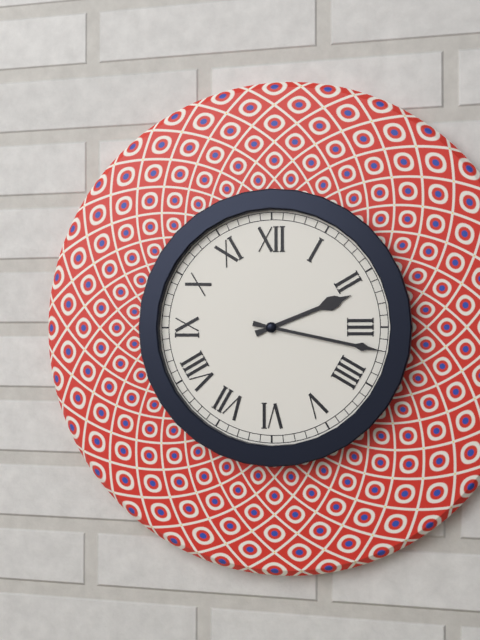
2:17
